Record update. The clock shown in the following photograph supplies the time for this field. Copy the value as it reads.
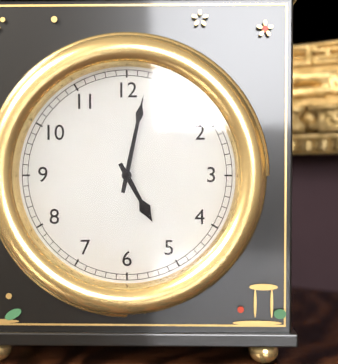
5:02
